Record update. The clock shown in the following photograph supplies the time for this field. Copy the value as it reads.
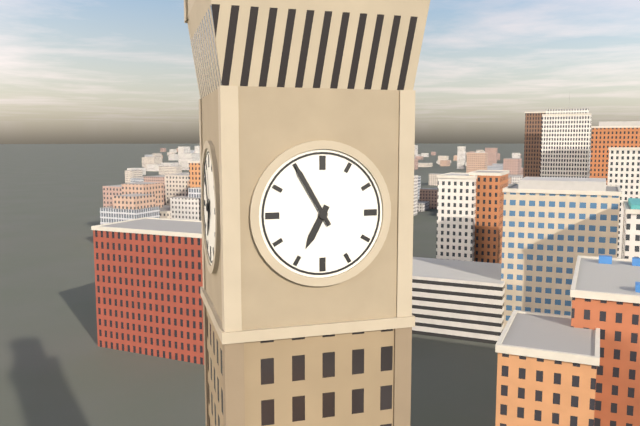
6:55
